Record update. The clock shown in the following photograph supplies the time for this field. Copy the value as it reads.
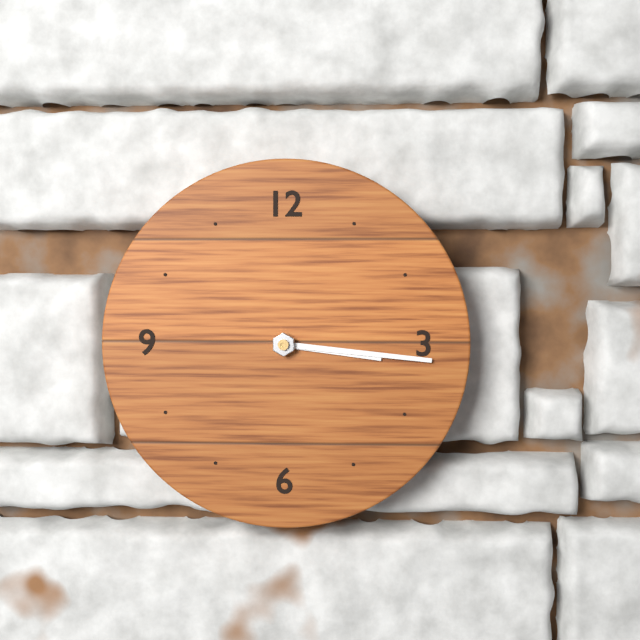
3:16
